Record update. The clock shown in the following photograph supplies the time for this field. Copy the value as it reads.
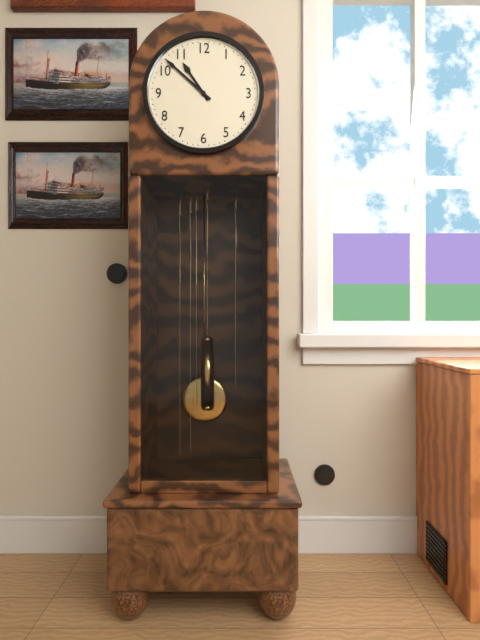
10:52
